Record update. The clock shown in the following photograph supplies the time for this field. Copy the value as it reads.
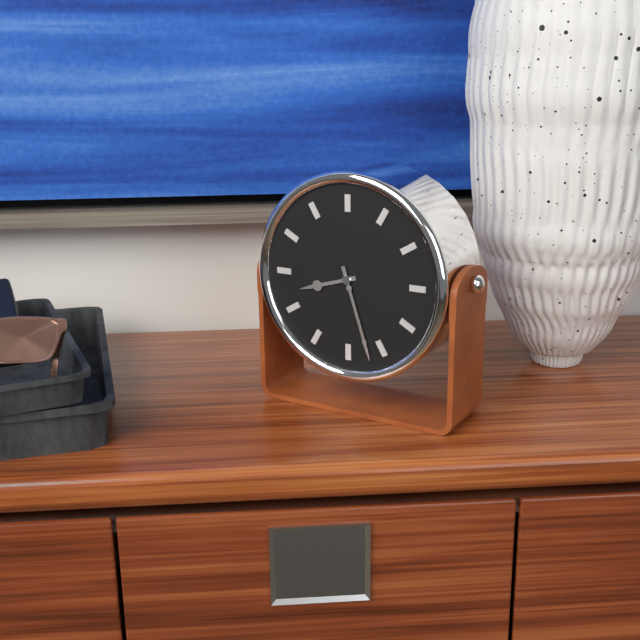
8:27
